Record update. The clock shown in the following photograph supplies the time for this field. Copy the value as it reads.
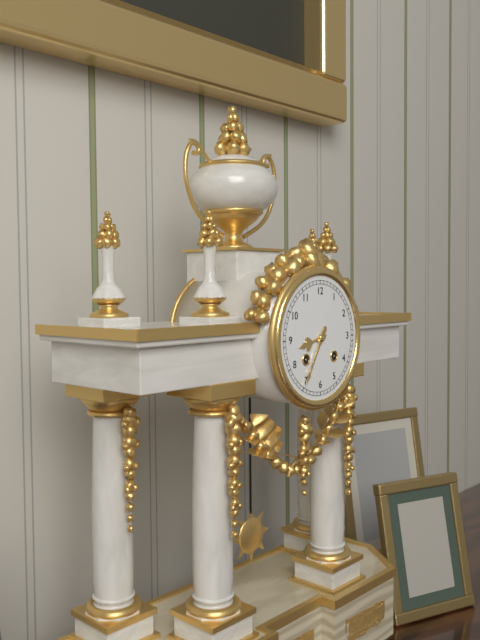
8:35
